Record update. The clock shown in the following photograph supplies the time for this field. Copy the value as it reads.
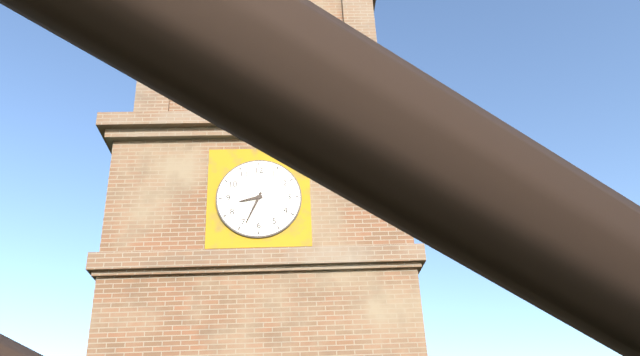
8:34
